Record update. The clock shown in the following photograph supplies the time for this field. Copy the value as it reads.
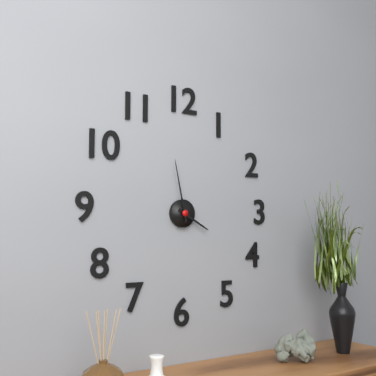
3:58
